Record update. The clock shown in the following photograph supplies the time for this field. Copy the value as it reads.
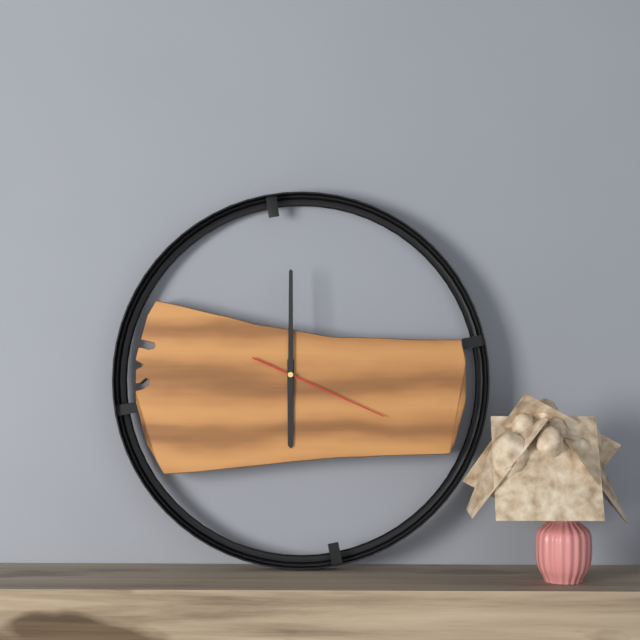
6:00:19
